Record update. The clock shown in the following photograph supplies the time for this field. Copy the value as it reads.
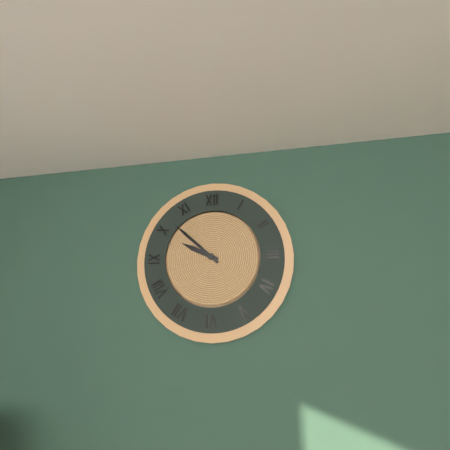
9:52
